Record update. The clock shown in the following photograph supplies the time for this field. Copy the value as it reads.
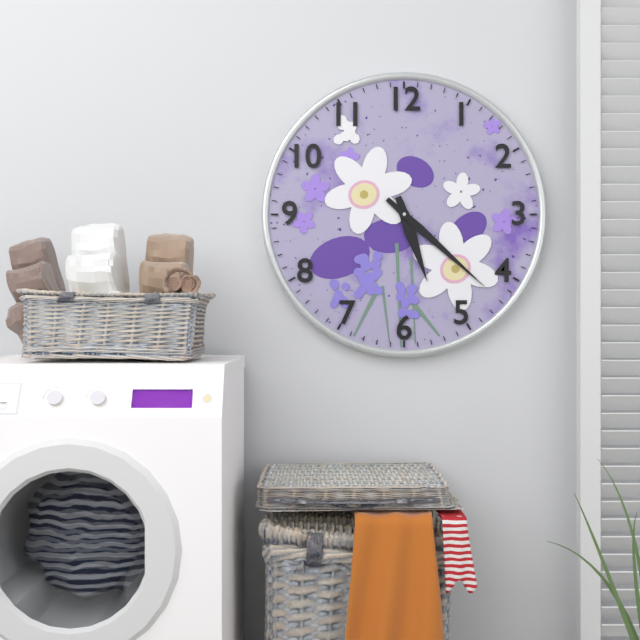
5:22
